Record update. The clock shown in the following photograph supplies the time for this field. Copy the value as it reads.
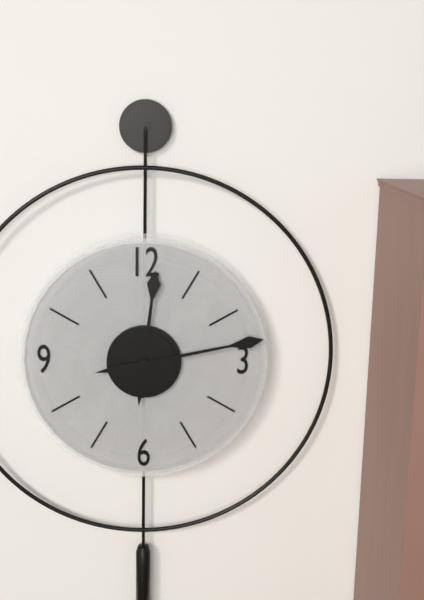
12:13
